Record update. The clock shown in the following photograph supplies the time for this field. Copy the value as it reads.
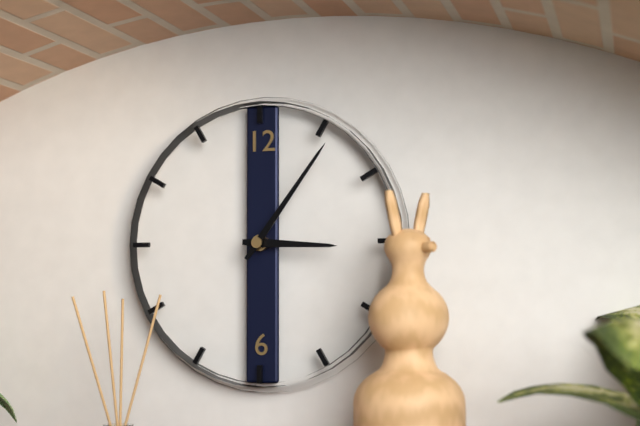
3:06
